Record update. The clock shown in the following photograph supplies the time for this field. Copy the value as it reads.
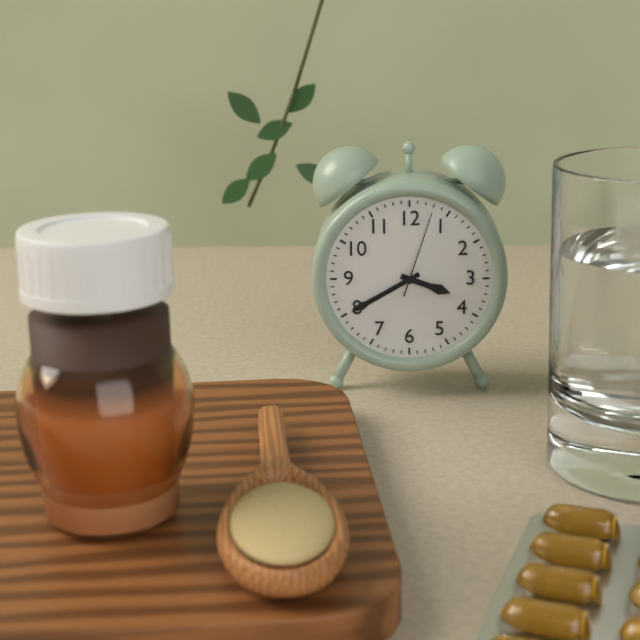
3:40:03
